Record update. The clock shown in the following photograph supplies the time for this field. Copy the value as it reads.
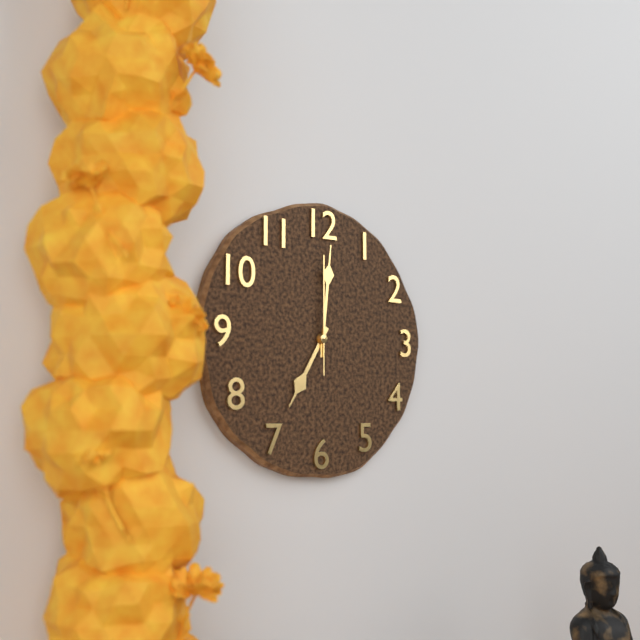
7:01:00
